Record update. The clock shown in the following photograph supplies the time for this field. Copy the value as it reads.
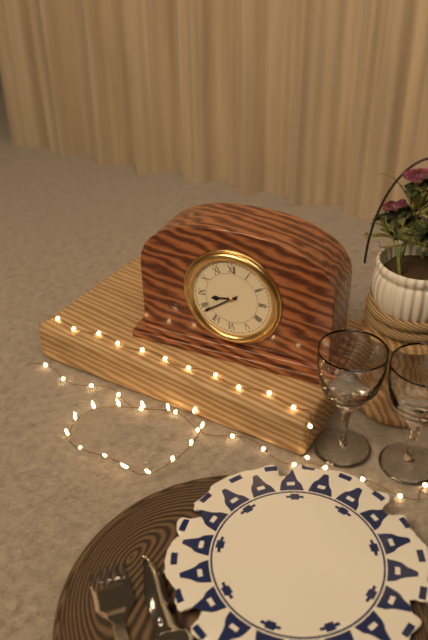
8:39
